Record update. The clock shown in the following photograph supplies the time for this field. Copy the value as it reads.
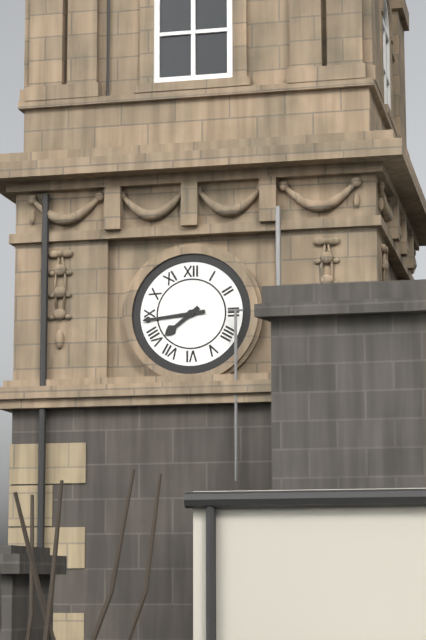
7:44
